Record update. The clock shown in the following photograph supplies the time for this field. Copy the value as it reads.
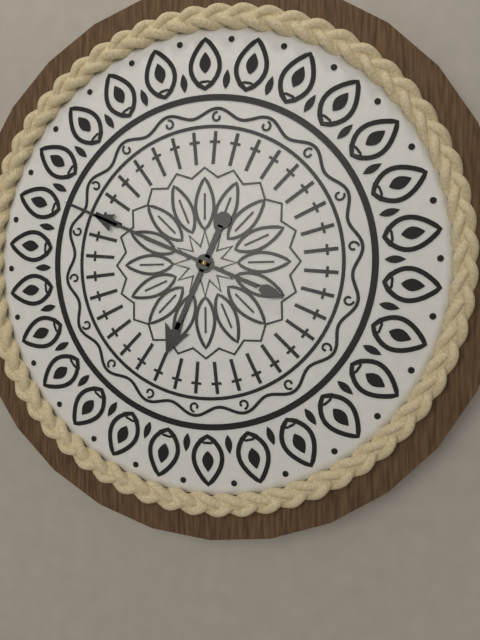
6:49
